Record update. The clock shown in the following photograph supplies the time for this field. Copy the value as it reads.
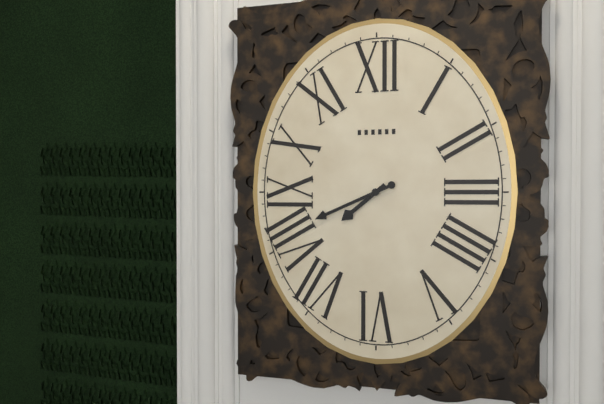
7:41
